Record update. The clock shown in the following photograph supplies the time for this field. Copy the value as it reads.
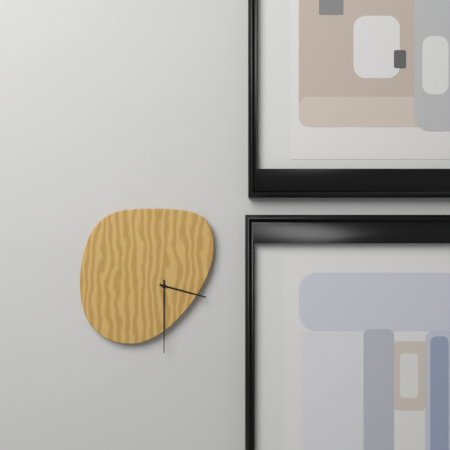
3:30
